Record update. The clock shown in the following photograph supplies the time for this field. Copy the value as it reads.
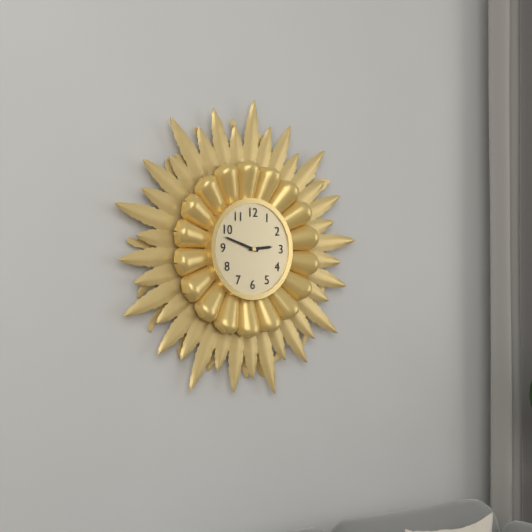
2:48
